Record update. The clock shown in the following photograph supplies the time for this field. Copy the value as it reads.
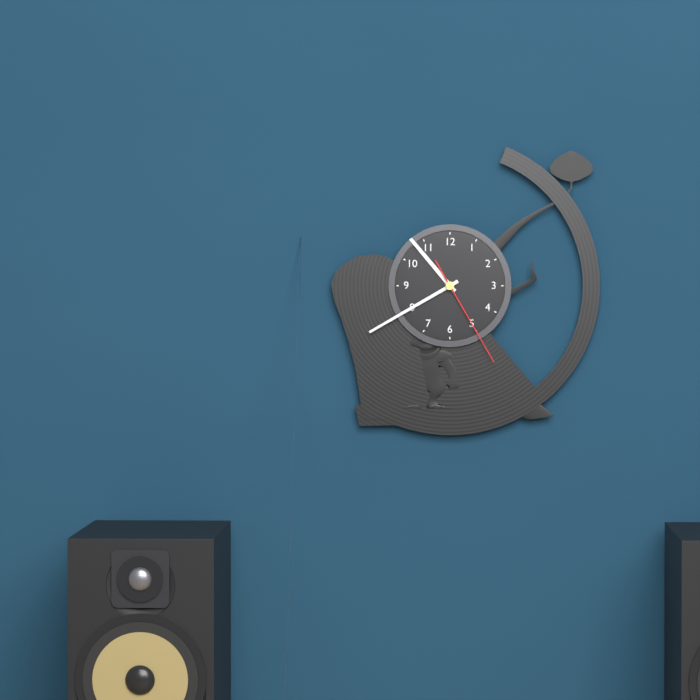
10:40:25
